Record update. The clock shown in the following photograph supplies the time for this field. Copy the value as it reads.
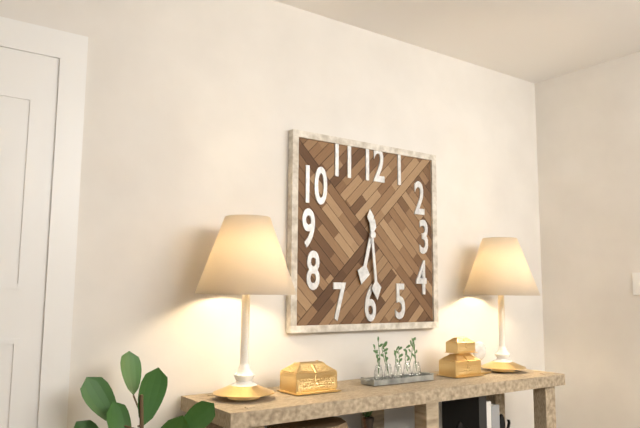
6:29
